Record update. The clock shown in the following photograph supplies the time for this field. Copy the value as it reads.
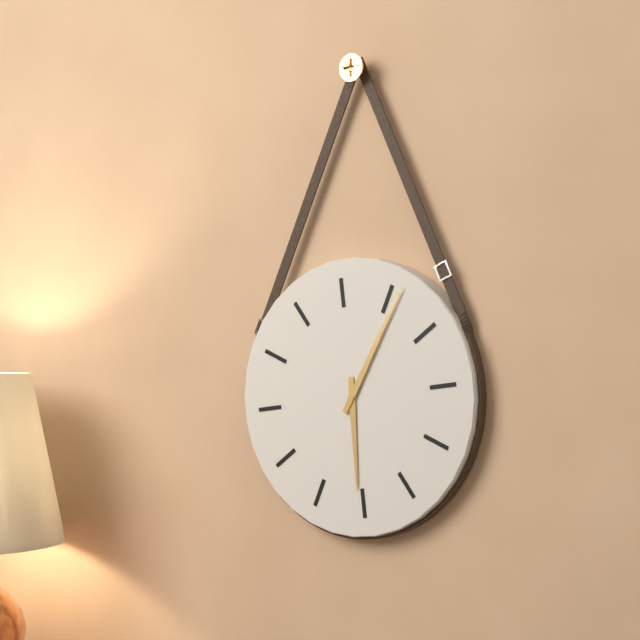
6:06
